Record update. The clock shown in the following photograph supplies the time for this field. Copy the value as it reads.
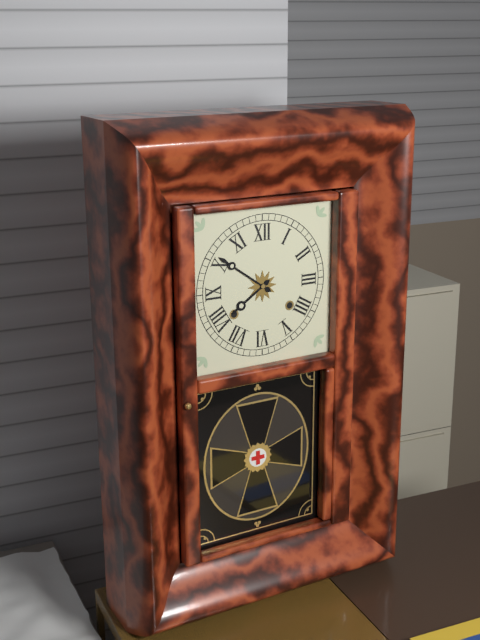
7:51
